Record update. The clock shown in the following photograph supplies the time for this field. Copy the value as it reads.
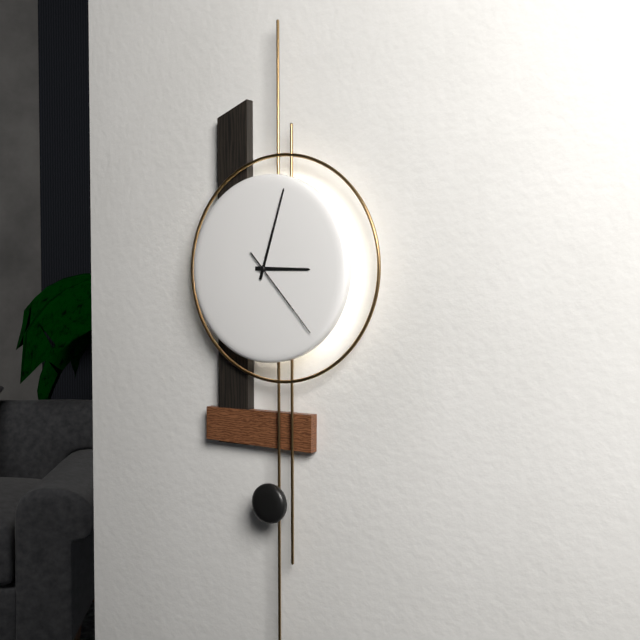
3:03:23
